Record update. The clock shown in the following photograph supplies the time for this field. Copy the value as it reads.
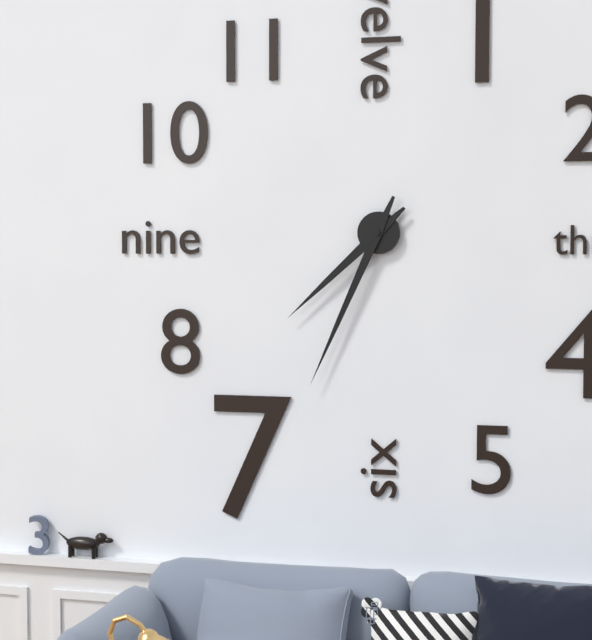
7:34
